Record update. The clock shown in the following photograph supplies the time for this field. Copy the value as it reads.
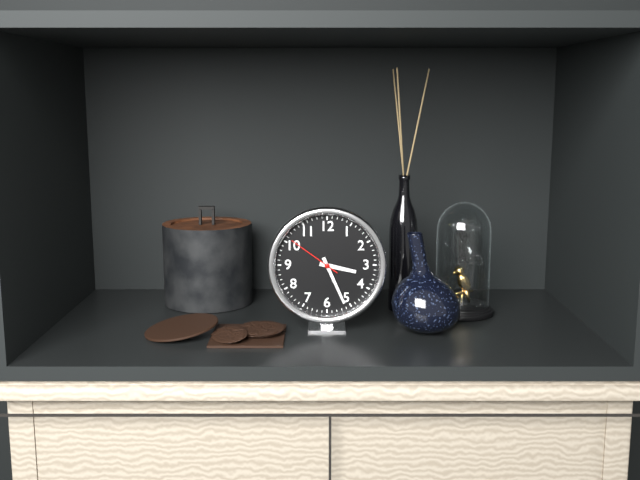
3:26:51
